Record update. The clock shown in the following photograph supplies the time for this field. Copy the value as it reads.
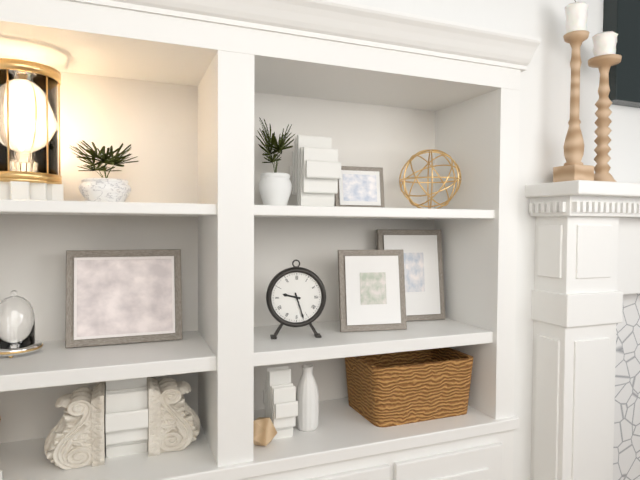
9:27
